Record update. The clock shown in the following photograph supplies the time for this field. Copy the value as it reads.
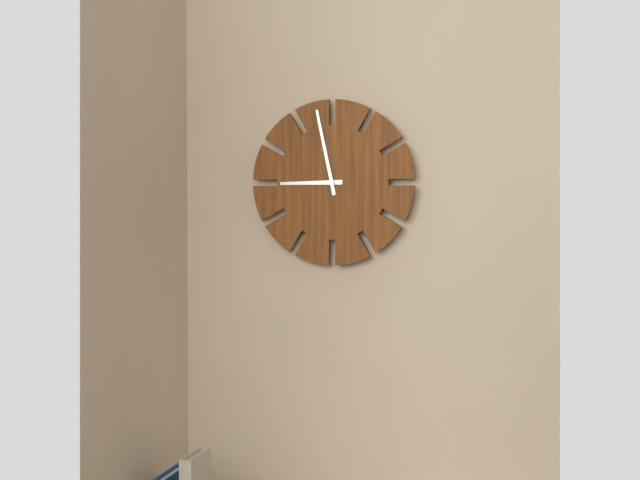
8:58
